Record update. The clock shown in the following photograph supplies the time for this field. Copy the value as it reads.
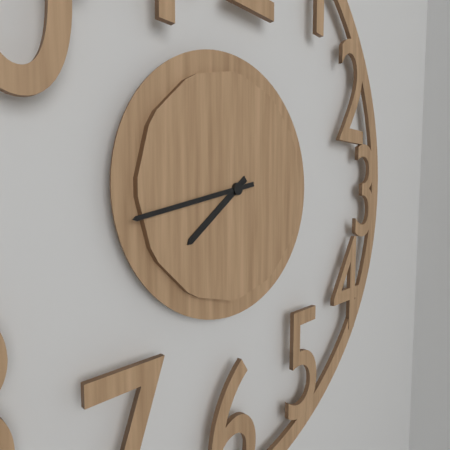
7:43
